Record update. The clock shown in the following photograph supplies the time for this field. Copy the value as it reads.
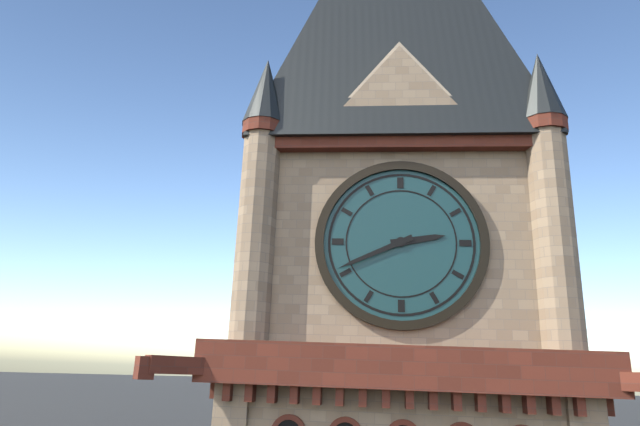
2:41
